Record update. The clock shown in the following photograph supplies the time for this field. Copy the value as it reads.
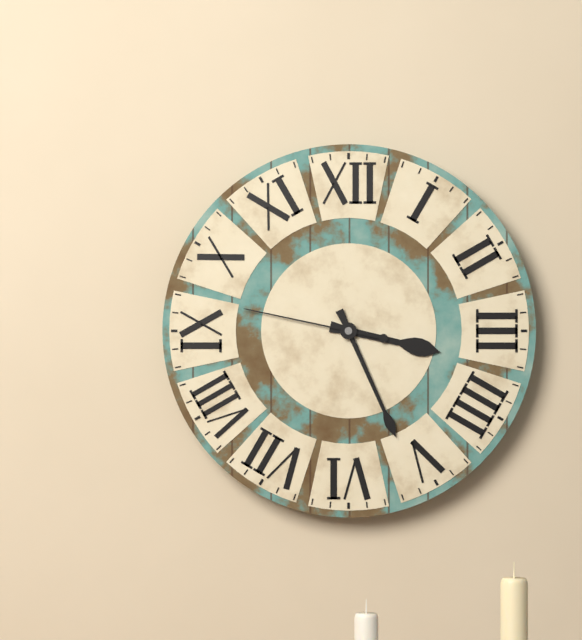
3:26:47
